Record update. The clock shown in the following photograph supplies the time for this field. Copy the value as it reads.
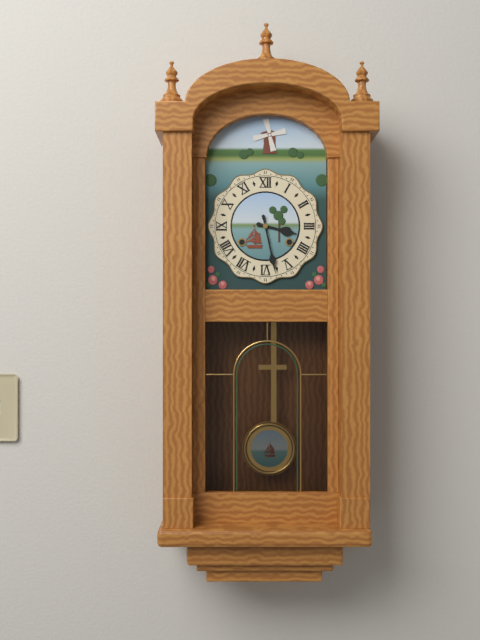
3:28
